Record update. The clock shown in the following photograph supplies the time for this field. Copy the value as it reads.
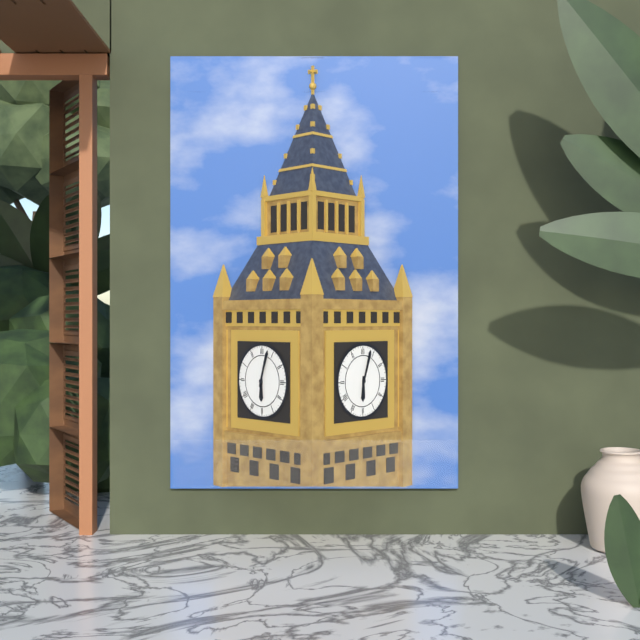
6:03
